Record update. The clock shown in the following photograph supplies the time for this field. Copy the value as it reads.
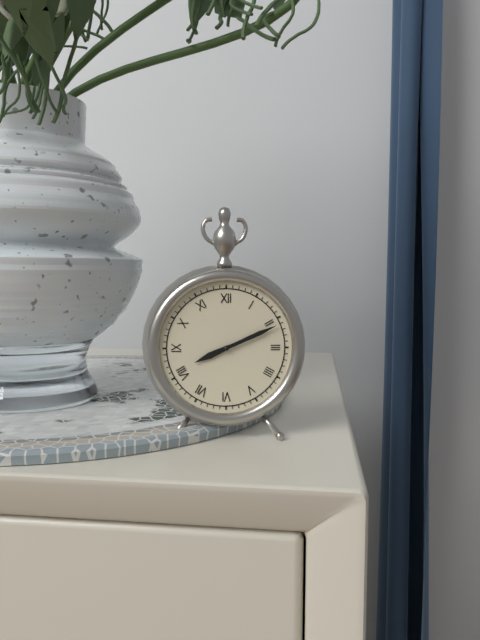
8:11
